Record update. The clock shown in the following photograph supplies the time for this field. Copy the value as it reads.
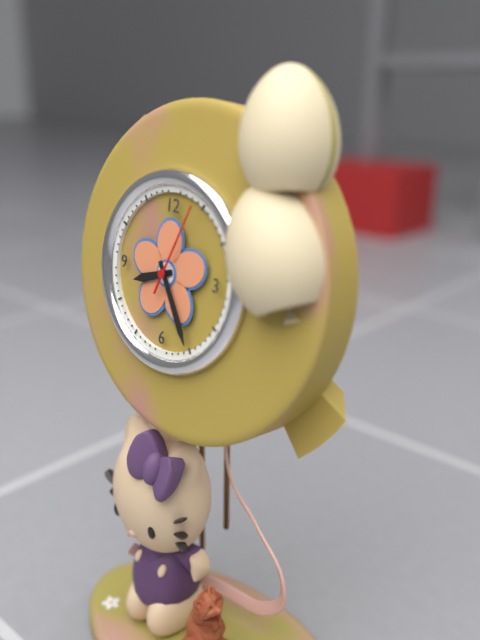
8:25:04
